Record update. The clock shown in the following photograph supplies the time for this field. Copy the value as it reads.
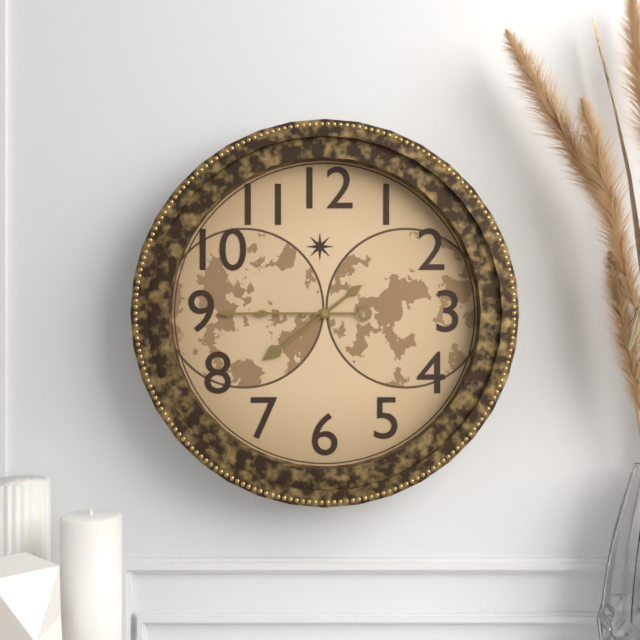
7:45
